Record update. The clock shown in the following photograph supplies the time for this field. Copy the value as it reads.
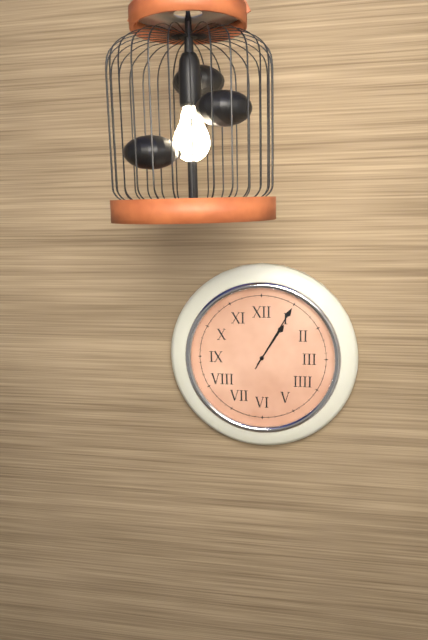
1:05
